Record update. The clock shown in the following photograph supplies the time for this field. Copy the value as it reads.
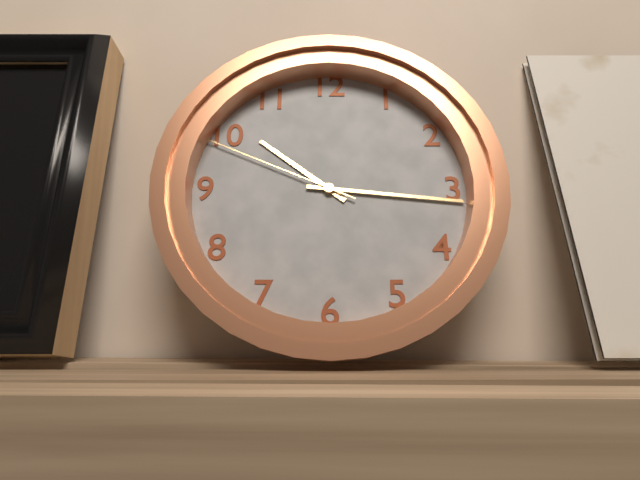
10:16:49
